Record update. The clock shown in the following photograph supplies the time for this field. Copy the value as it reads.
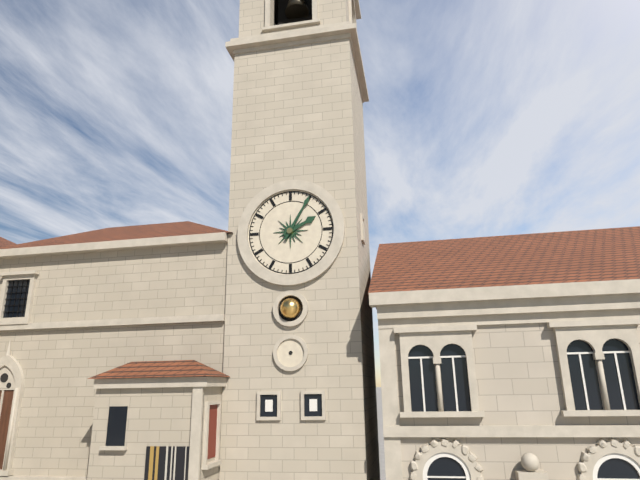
2:05
